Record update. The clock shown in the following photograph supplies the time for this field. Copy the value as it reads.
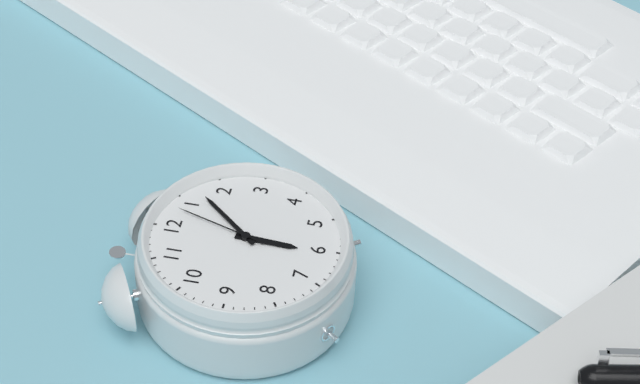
6:07:03
